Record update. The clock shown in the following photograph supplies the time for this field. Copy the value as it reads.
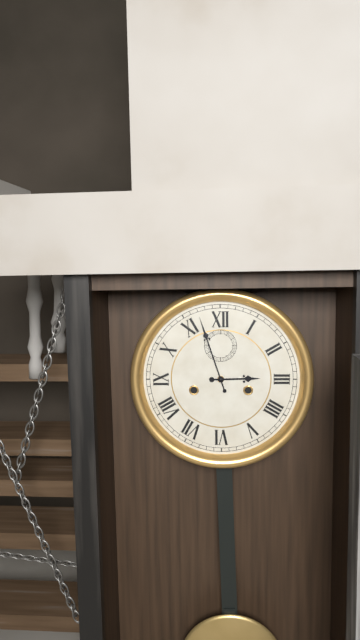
2:57
